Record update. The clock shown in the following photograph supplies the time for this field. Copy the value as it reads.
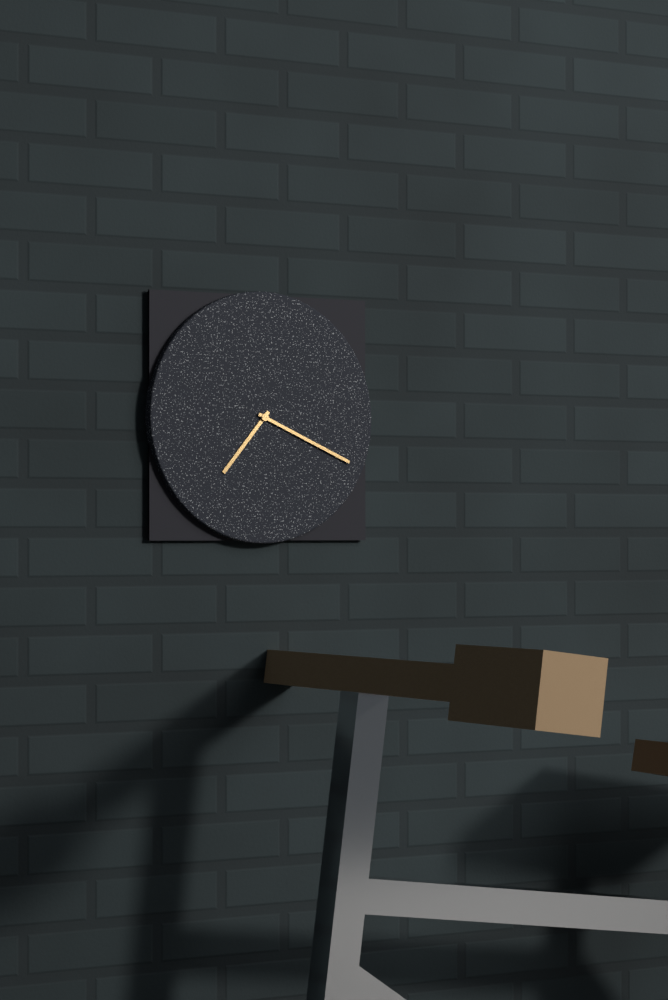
7:19
